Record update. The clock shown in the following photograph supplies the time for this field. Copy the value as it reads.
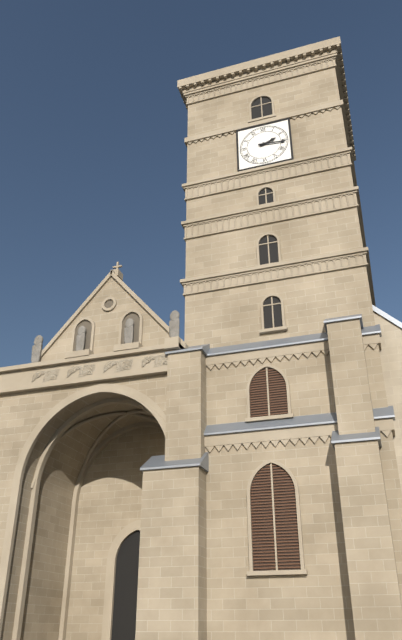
2:16
